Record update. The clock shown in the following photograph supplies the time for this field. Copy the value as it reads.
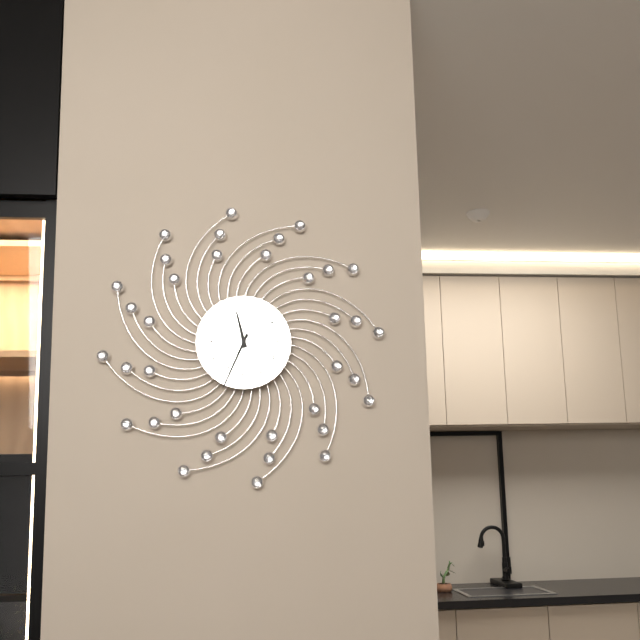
11:34
